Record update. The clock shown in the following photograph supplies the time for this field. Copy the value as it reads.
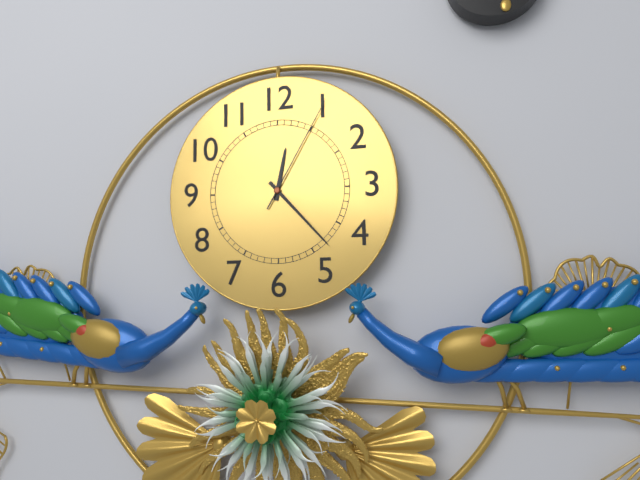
12:23:05
